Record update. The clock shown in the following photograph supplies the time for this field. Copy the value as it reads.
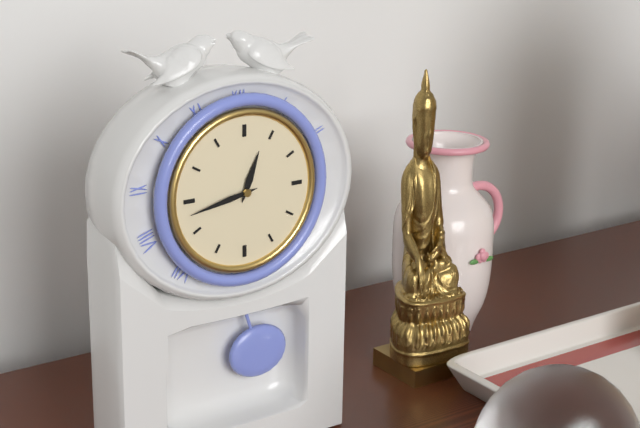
12:43
